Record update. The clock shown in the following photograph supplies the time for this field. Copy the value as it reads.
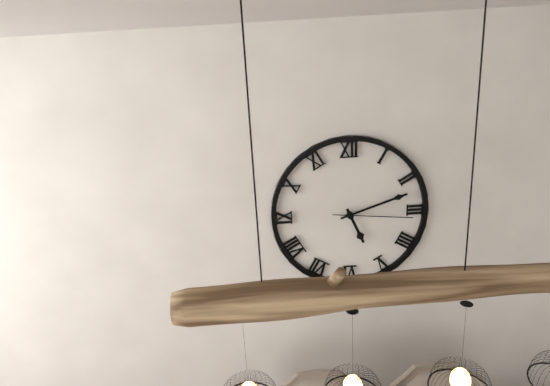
5:12:16
